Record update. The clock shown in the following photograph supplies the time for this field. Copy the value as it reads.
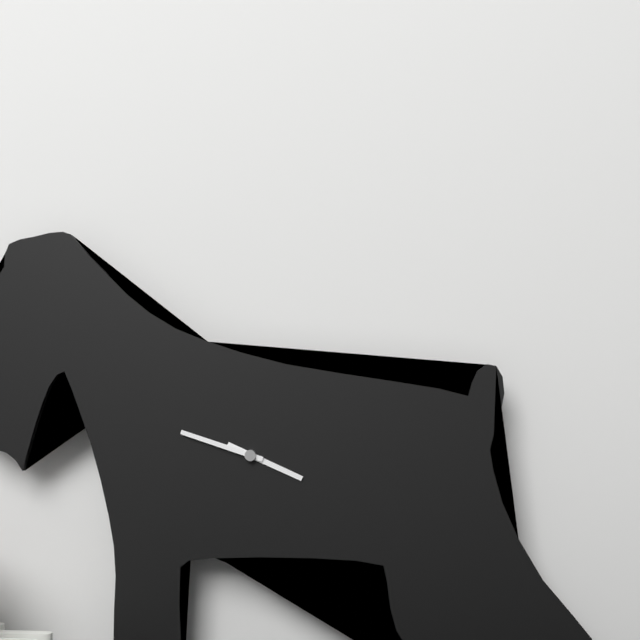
3:48
